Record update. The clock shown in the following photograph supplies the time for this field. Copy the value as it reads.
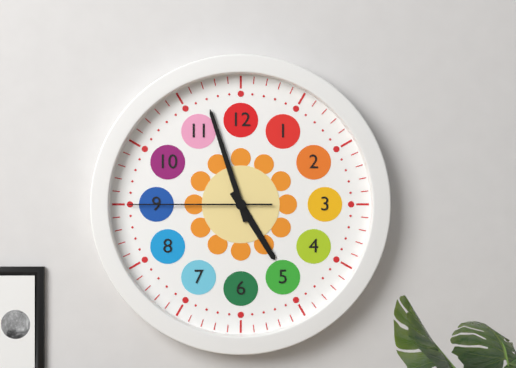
4:57:45
